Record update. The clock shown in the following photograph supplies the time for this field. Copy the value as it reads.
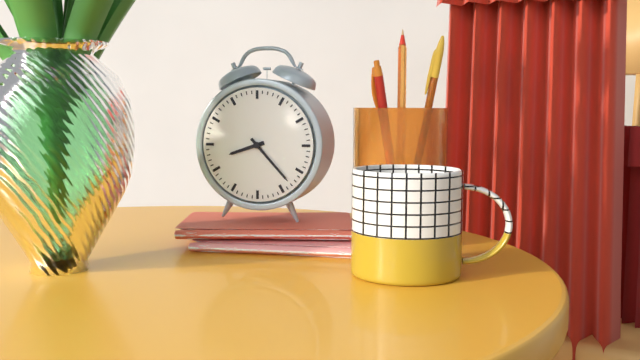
8:23
